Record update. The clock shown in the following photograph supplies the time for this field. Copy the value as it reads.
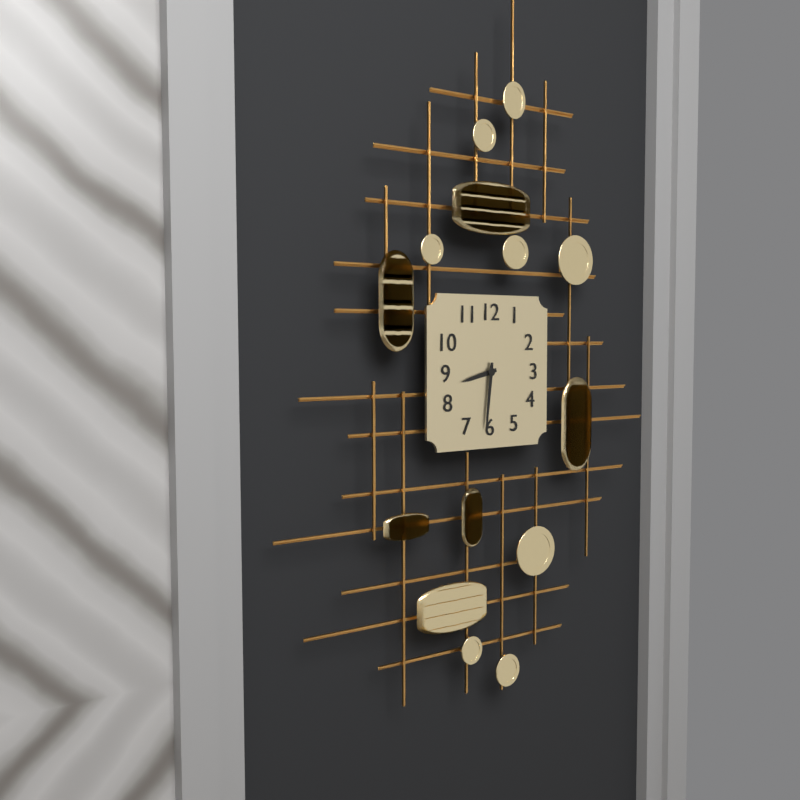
8:31
